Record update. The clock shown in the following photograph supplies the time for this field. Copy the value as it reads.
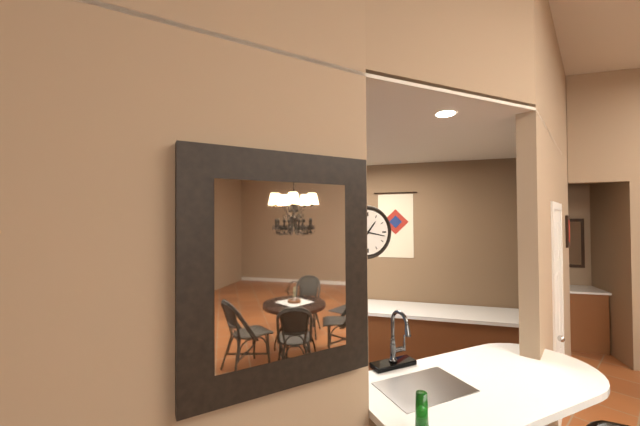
1:17
